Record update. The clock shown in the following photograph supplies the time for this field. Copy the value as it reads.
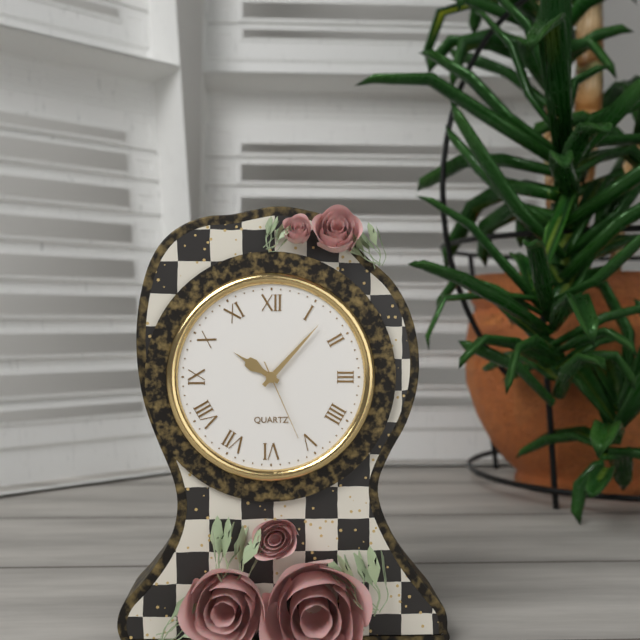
10:07:26
